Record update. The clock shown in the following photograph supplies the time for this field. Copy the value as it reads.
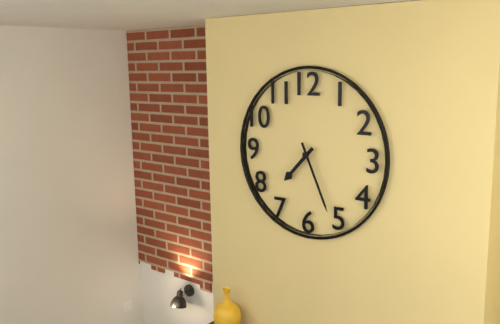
7:26
